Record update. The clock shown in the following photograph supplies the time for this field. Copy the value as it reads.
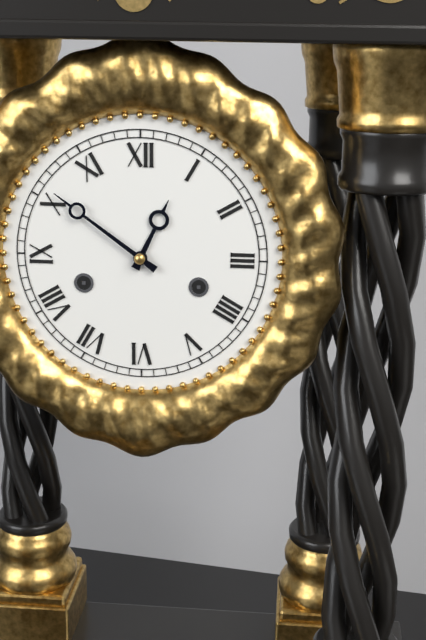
12:51
